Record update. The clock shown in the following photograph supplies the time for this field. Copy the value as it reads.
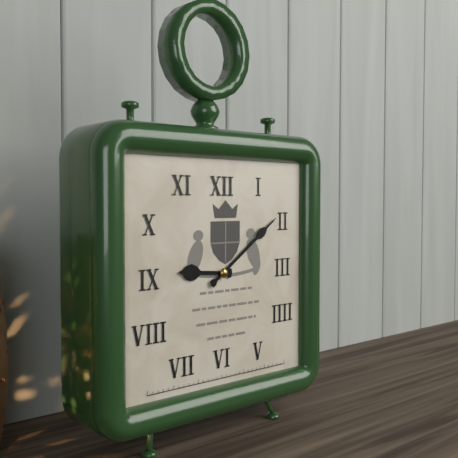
9:09
